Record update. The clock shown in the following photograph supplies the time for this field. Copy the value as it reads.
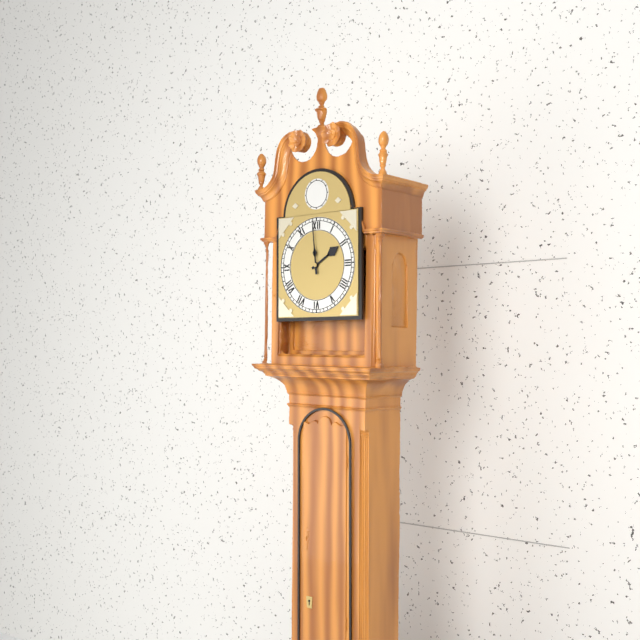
1:59
